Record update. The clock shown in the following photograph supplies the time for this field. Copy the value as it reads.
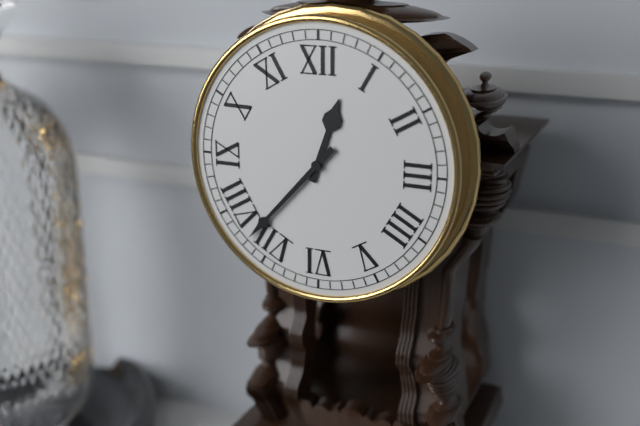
12:37
